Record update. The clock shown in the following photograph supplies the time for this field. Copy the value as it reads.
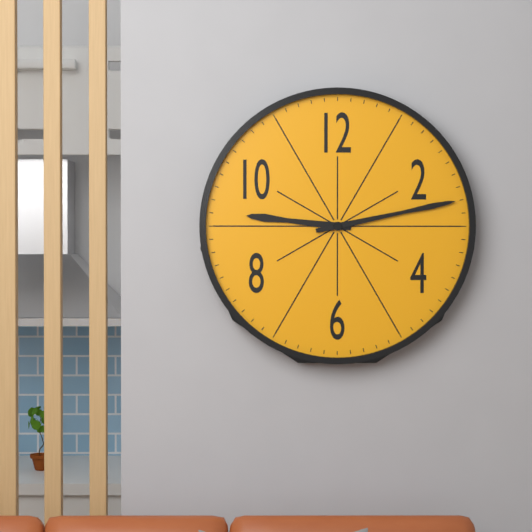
9:13
